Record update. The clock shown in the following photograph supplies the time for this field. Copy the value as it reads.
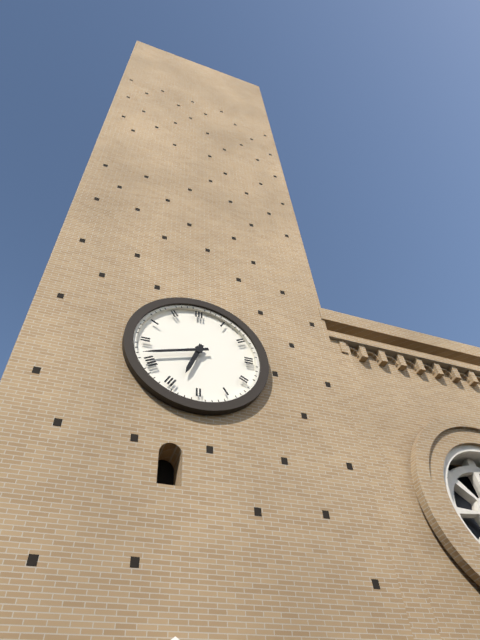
6:42
